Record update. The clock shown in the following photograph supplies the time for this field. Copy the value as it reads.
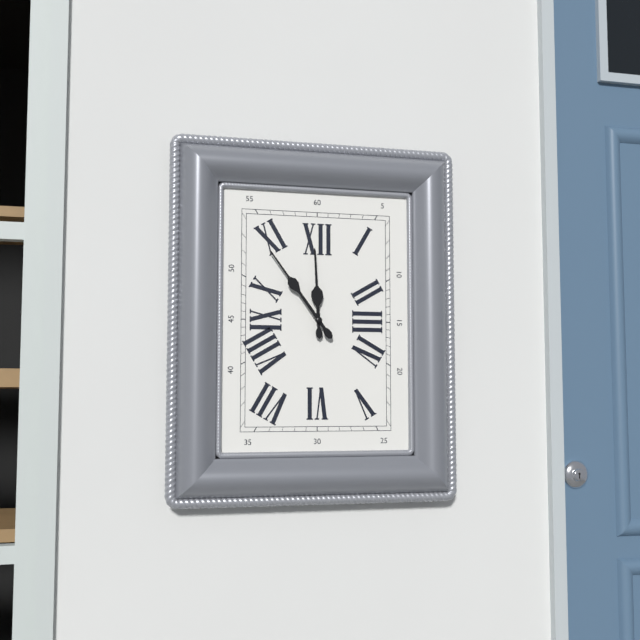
11:54
